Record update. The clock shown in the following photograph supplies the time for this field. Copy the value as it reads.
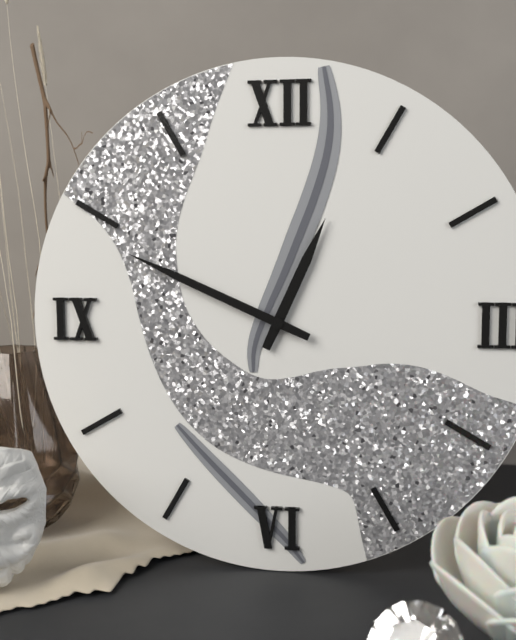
12:49
